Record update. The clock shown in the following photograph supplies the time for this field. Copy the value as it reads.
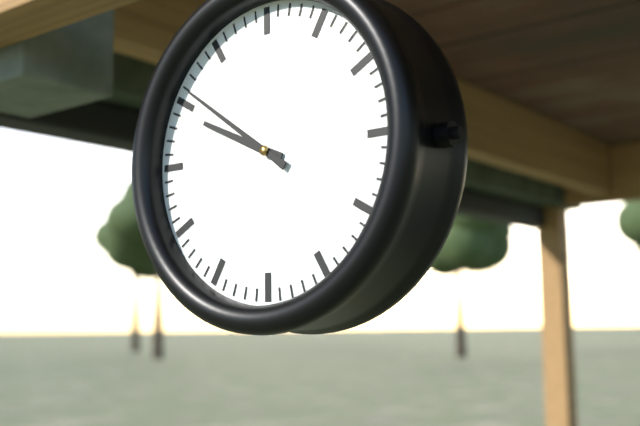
9:51
